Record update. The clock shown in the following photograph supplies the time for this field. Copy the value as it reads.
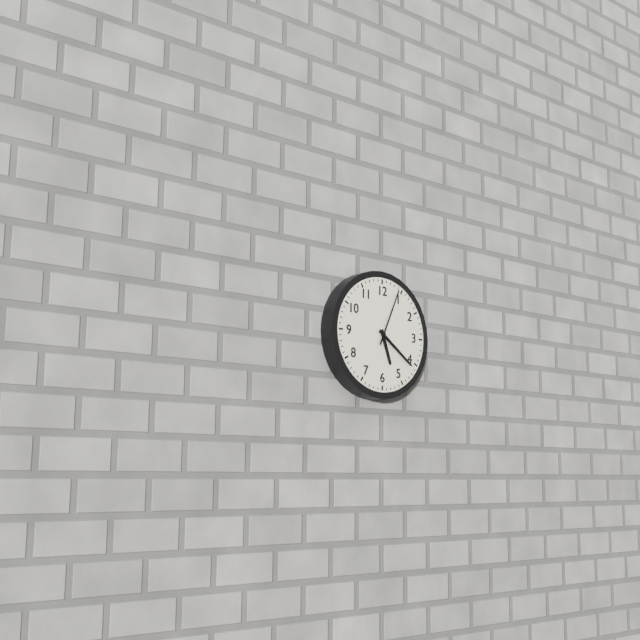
5:21:04
